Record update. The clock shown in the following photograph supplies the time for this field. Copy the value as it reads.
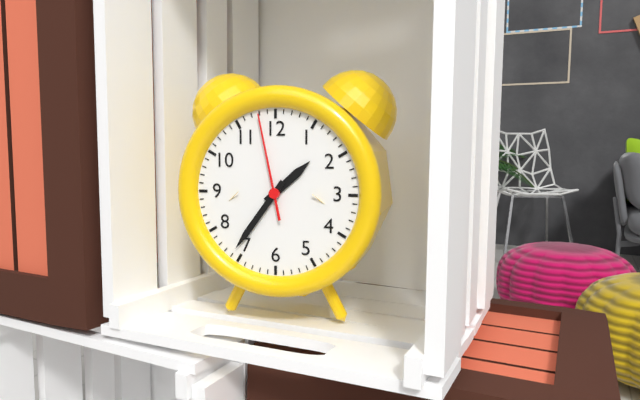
1:36:58
